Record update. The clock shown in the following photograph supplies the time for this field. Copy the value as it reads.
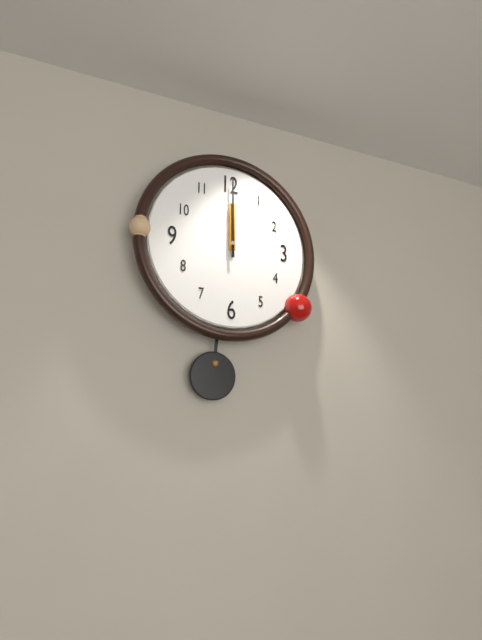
12:00
